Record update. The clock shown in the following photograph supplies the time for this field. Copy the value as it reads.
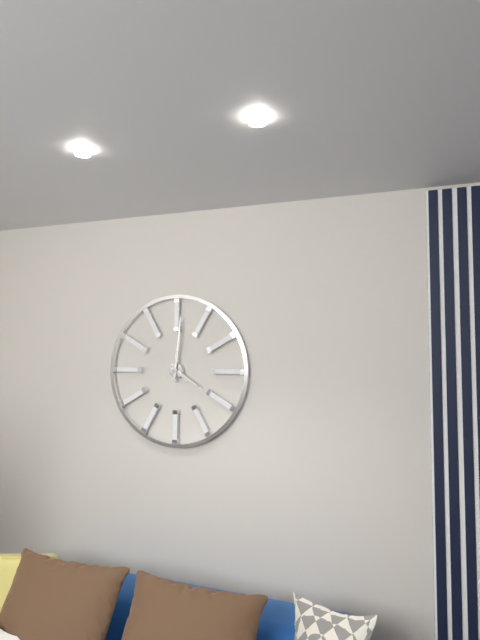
4:01
